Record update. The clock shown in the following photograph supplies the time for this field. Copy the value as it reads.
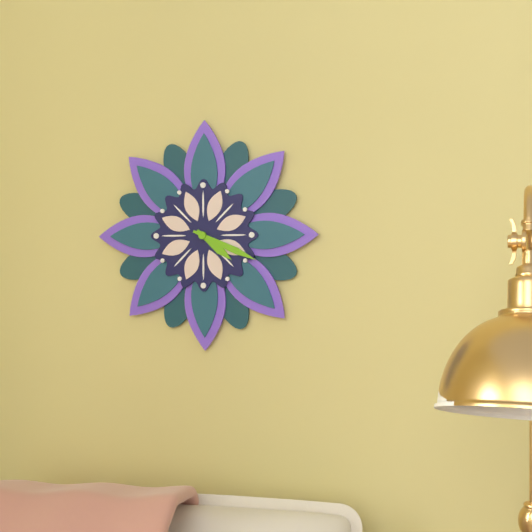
4:19
